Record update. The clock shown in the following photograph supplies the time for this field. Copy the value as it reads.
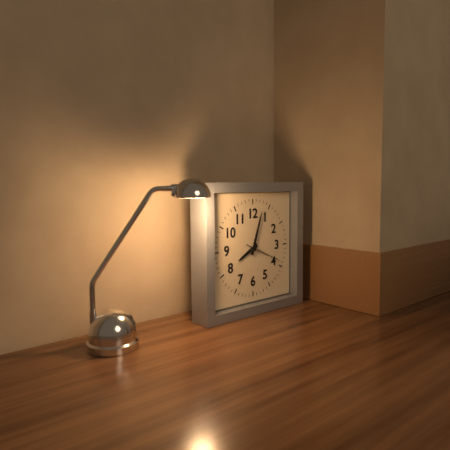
8:03
